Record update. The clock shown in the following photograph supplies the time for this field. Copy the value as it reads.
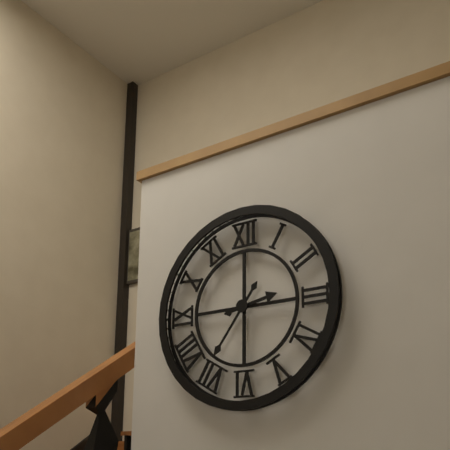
2:36
